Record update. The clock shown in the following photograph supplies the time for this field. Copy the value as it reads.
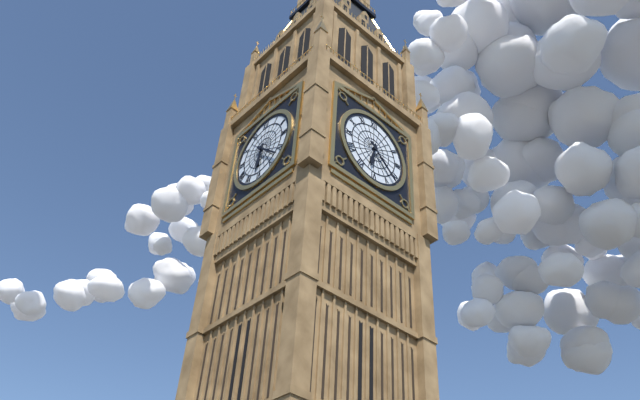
6:22
